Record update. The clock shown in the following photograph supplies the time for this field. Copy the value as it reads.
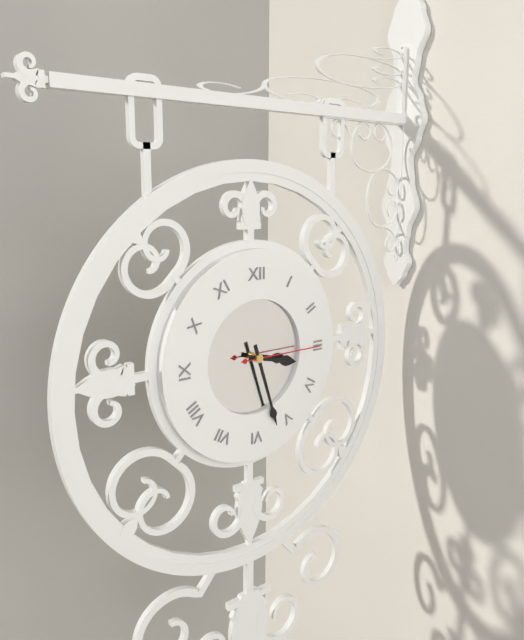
3:27:15
